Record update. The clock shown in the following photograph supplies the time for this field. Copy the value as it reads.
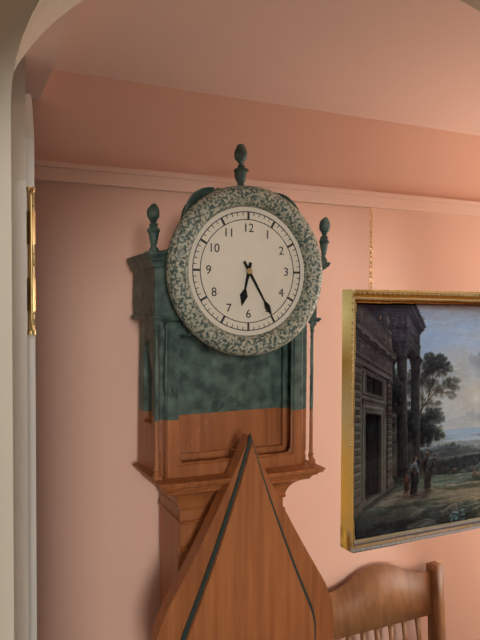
6:25
